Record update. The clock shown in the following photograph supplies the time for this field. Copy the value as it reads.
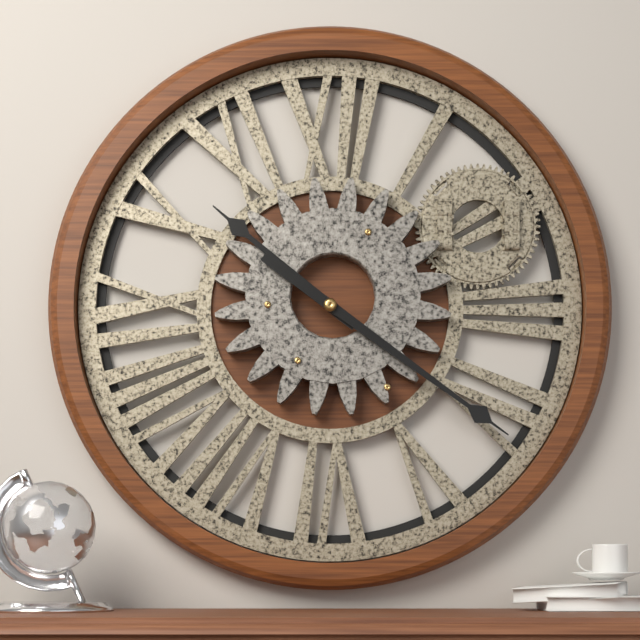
10:21
